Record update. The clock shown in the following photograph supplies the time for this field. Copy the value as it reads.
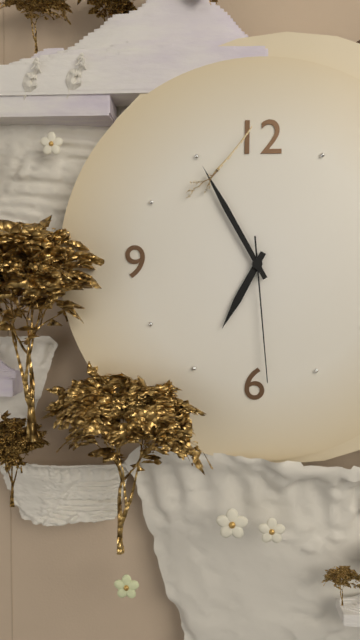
6:55:29
